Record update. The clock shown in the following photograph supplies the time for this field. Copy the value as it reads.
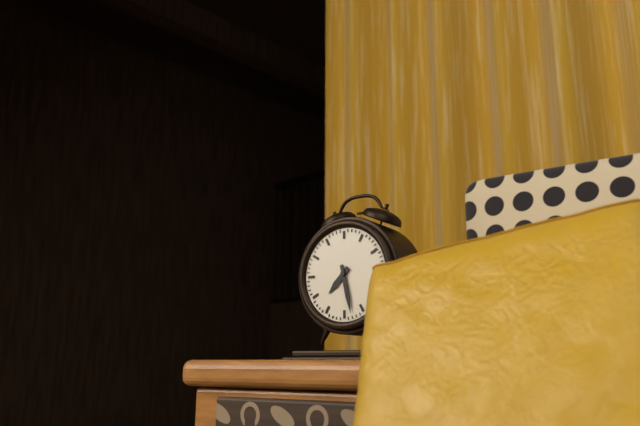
7:28
